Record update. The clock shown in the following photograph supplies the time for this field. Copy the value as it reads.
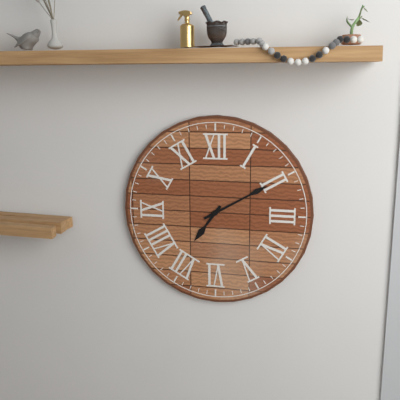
7:10
